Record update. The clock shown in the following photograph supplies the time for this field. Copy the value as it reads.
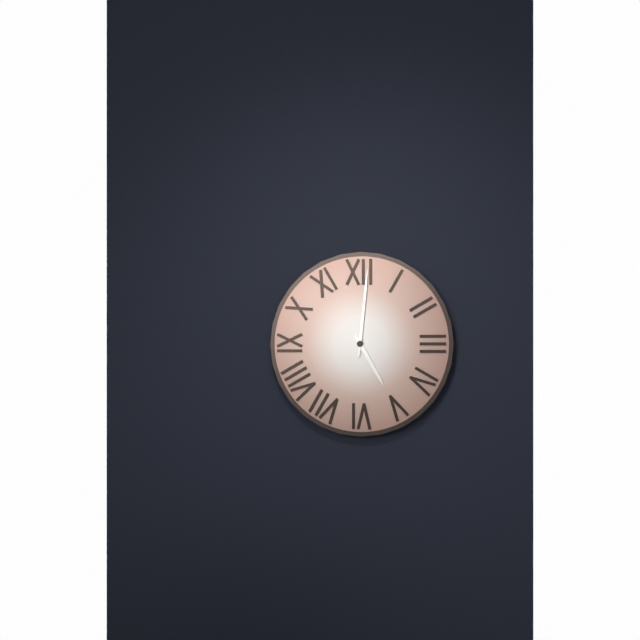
5:01
